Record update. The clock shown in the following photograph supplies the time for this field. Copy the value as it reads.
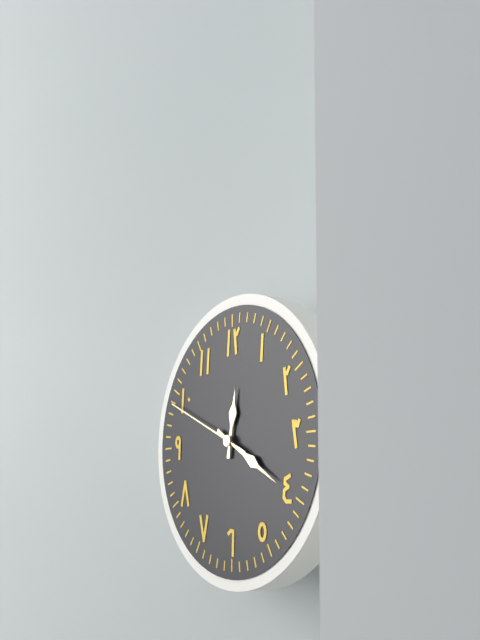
12:20:49
